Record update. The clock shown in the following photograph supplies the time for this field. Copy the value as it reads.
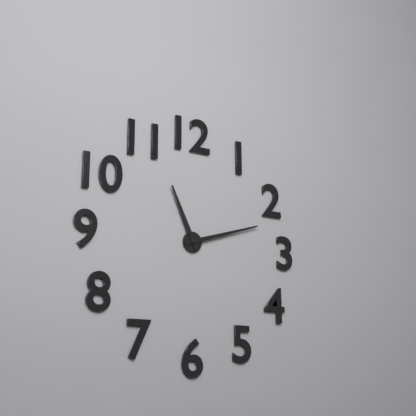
11:12
